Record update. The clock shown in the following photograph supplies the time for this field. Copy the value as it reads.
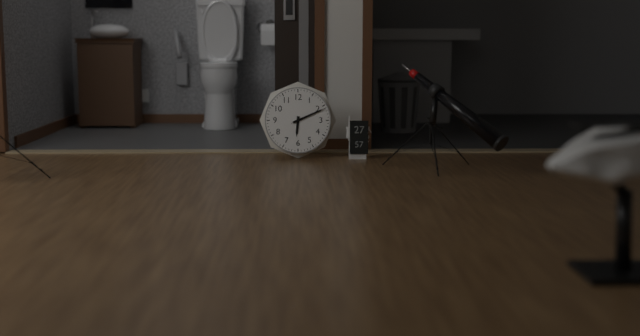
6:11
